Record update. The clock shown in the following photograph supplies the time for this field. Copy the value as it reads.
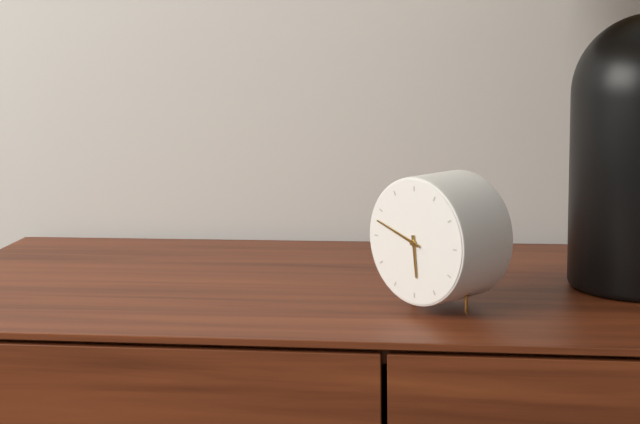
5:48
